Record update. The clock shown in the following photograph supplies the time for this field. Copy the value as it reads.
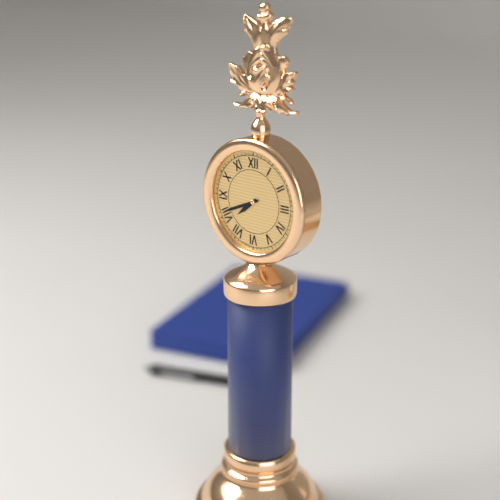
7:41
